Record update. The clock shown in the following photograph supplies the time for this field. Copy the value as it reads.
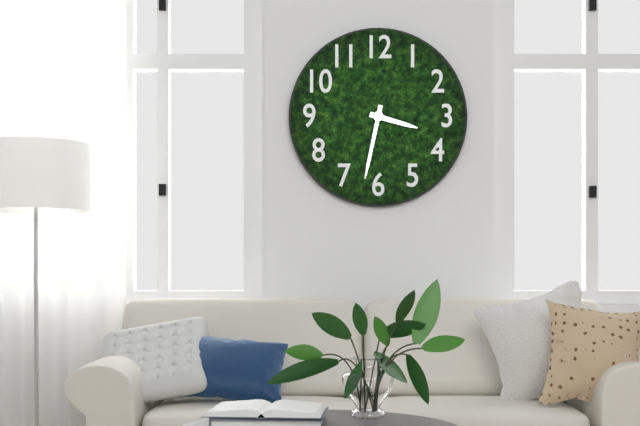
3:32
